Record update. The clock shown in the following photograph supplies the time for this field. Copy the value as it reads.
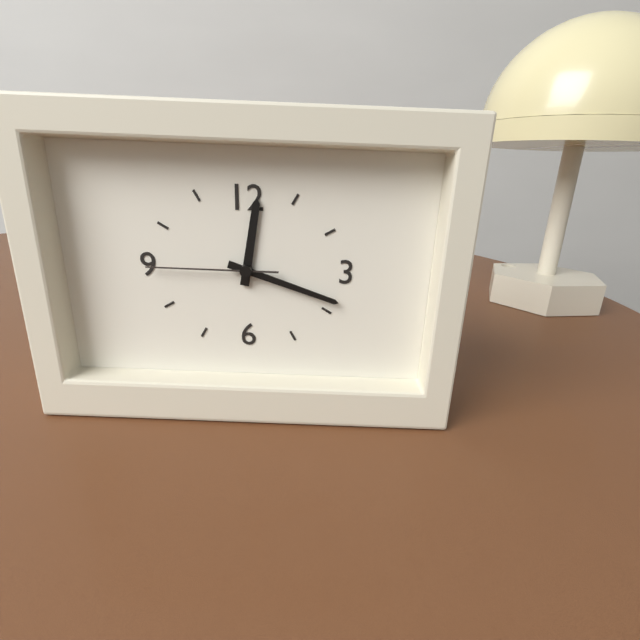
12:18:45
